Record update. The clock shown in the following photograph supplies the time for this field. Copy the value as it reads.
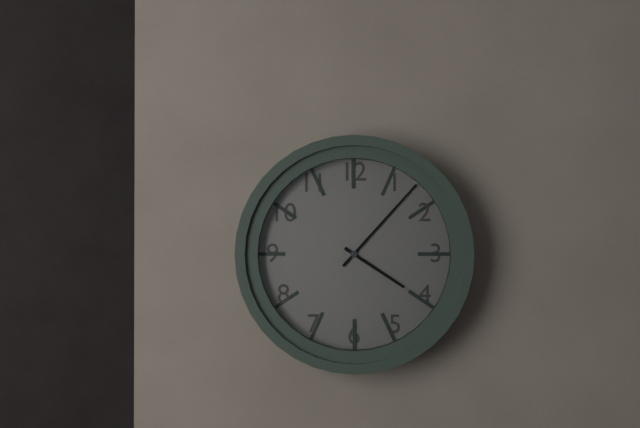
4:07
